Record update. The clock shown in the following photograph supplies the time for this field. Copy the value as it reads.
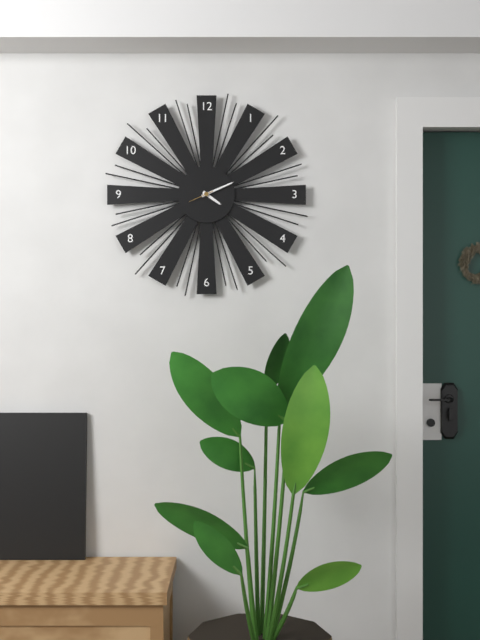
4:11
